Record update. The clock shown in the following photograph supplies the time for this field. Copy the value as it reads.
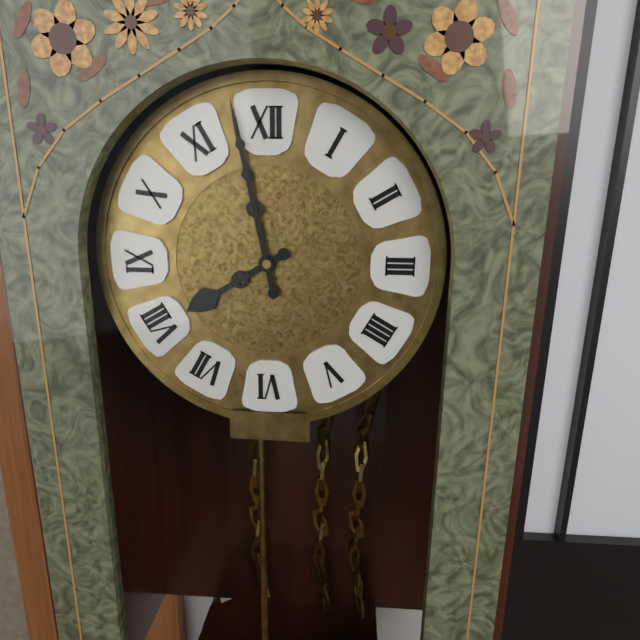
7:58
